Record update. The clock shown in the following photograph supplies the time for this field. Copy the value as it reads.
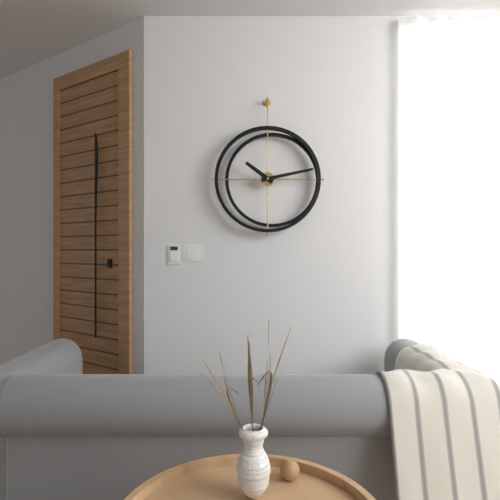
10:13
